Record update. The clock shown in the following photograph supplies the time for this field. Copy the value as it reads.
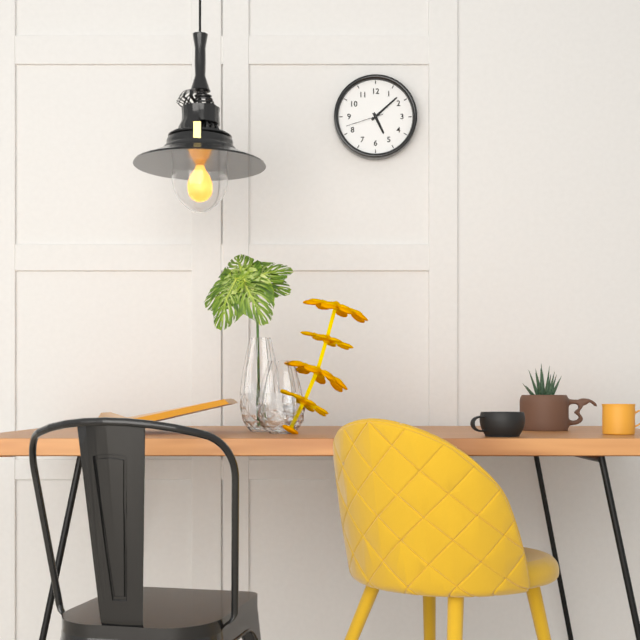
5:08
